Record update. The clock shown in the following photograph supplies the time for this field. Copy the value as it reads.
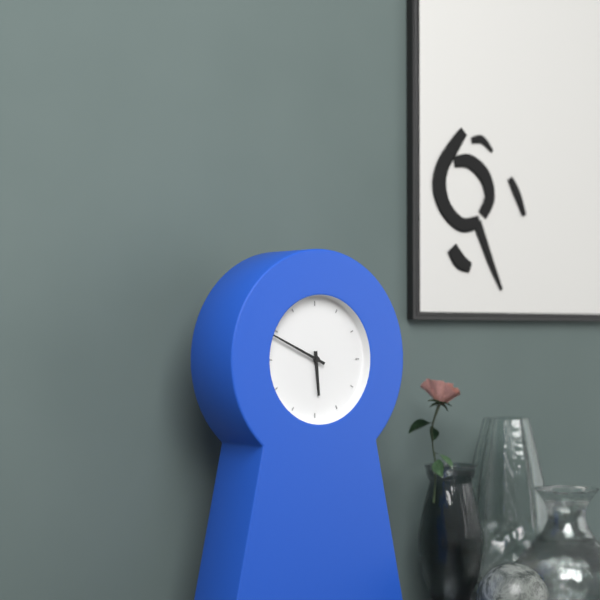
5:49
